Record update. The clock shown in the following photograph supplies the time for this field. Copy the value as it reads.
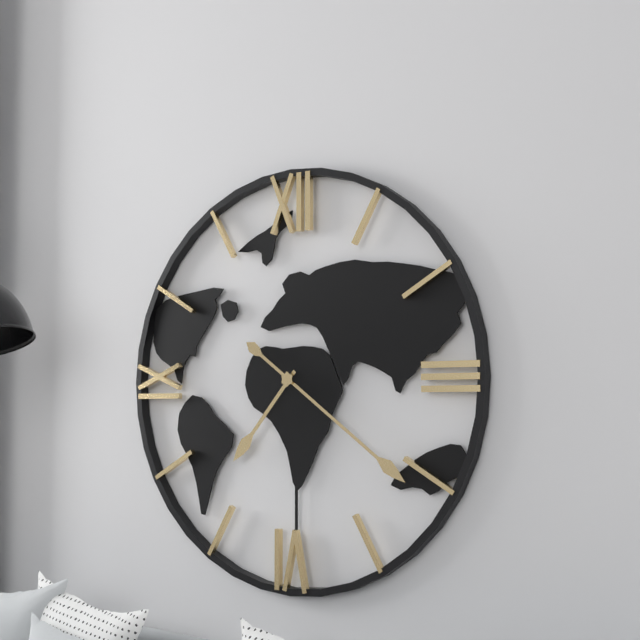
7:21
